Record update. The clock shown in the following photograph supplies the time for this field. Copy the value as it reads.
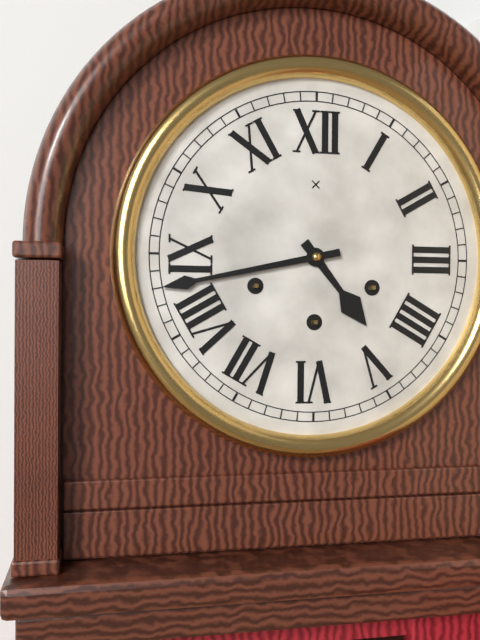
4:43
